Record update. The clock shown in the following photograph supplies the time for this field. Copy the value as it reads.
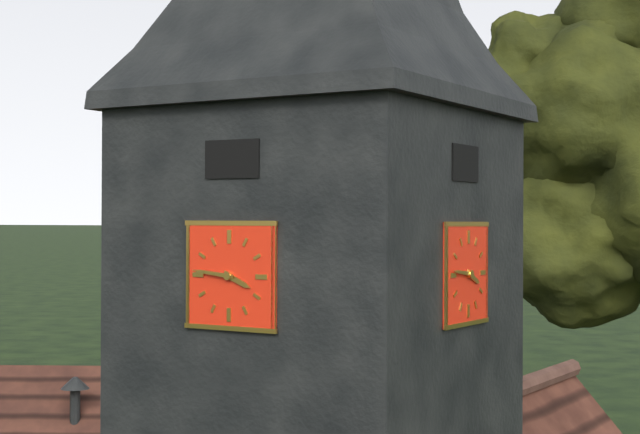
3:46
